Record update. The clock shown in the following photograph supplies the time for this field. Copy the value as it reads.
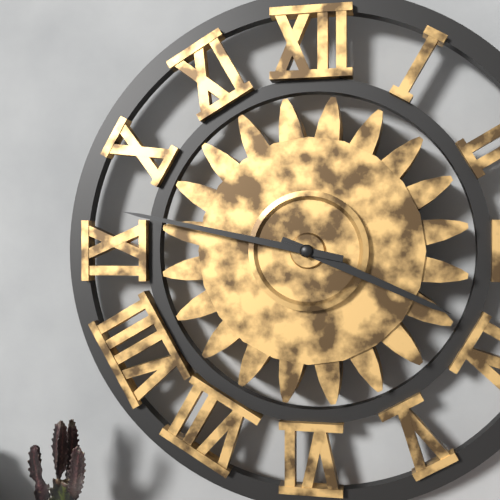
3:47
